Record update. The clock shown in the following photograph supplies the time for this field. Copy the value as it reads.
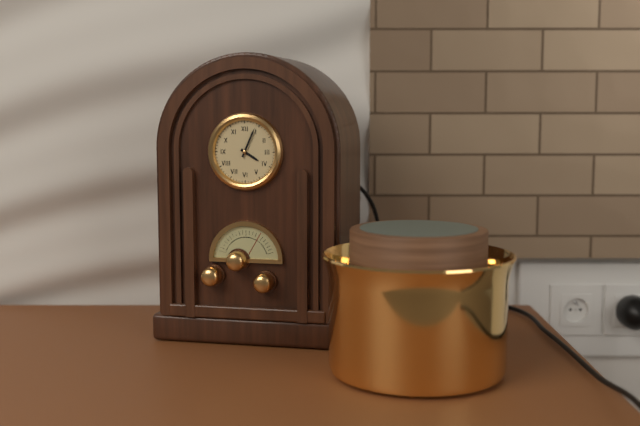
4:04
